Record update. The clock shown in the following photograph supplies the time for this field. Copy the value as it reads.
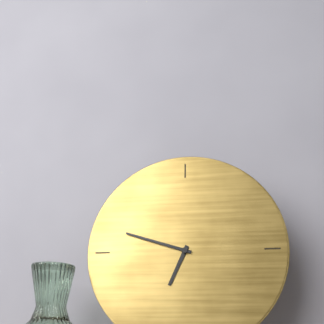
6:48
